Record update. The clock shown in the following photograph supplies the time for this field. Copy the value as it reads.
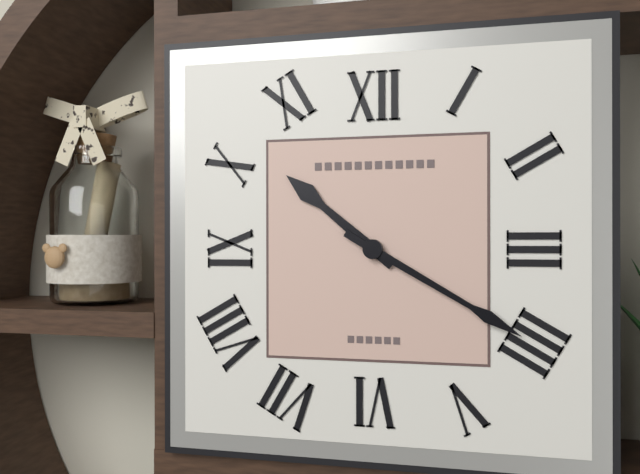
10:20
